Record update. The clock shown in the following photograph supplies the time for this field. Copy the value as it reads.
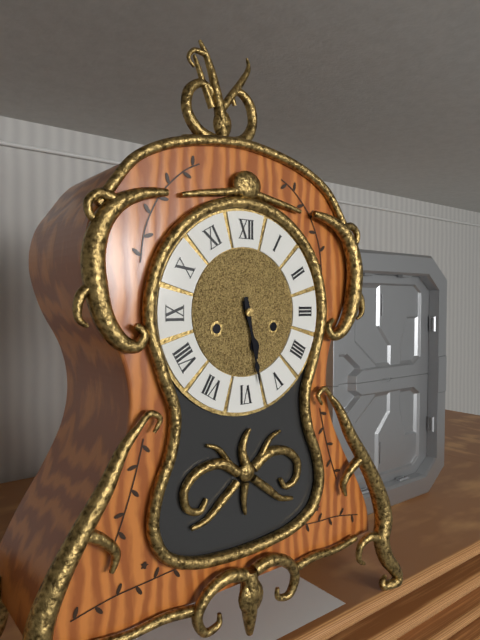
5:28
